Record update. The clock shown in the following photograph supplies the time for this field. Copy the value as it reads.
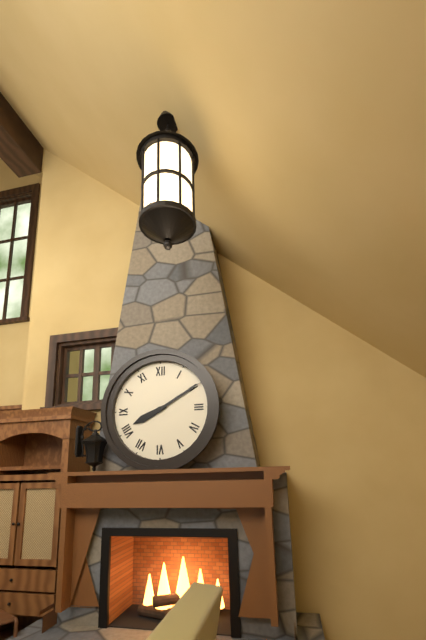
8:10
